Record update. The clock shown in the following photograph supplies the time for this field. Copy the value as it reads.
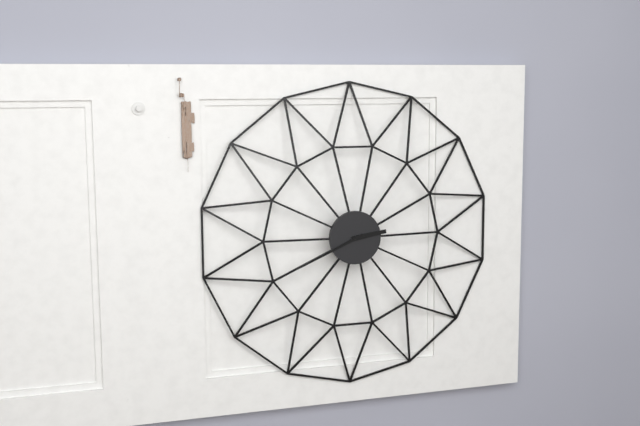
2:41
